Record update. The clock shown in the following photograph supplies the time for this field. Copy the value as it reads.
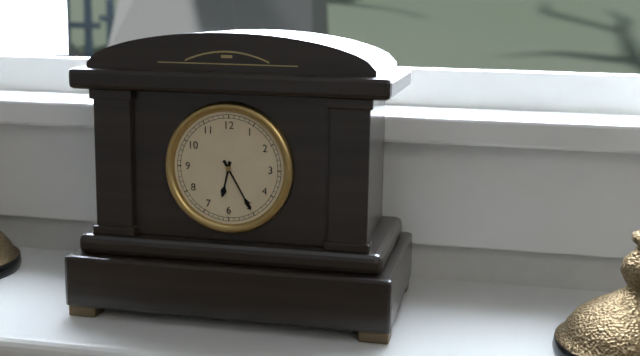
6:25
